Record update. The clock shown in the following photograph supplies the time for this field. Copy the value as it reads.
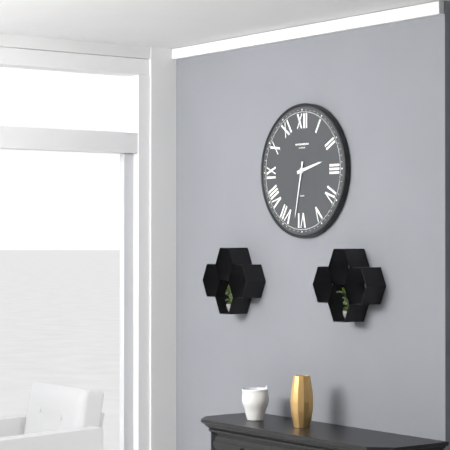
2:32
